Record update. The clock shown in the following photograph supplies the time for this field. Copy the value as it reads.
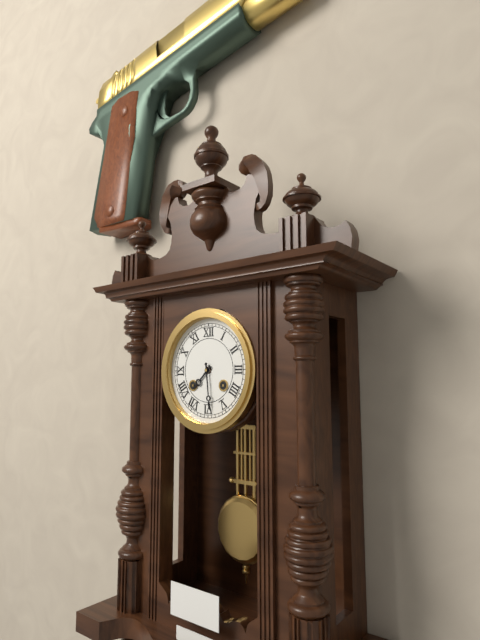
7:29
